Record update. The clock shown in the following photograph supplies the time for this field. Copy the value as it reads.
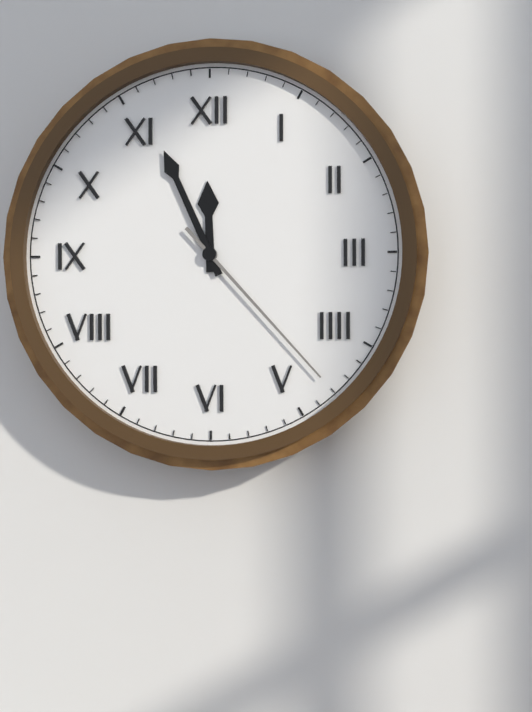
11:56:23
